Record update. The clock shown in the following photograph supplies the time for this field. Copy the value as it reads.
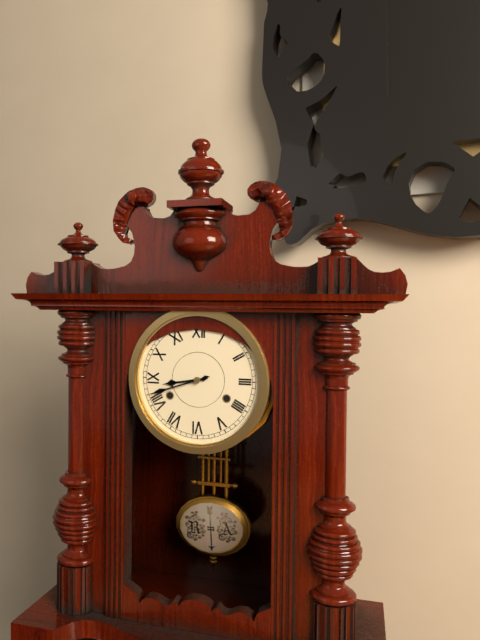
8:42
